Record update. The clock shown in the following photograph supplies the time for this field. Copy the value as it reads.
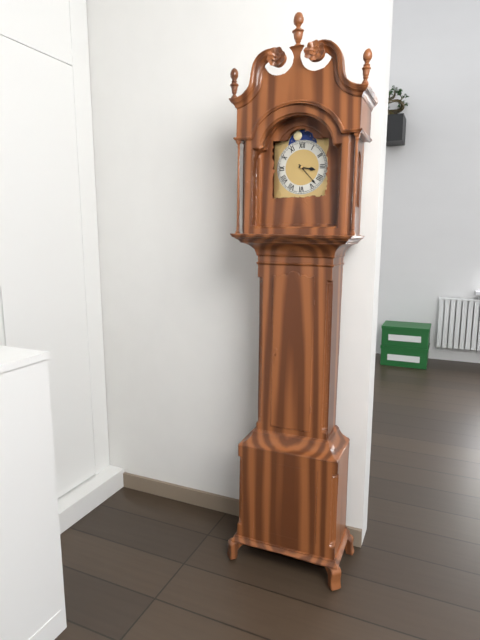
3:23
